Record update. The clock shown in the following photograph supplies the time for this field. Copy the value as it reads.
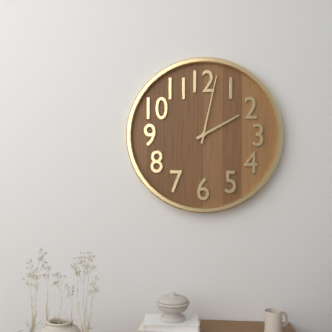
2:02
